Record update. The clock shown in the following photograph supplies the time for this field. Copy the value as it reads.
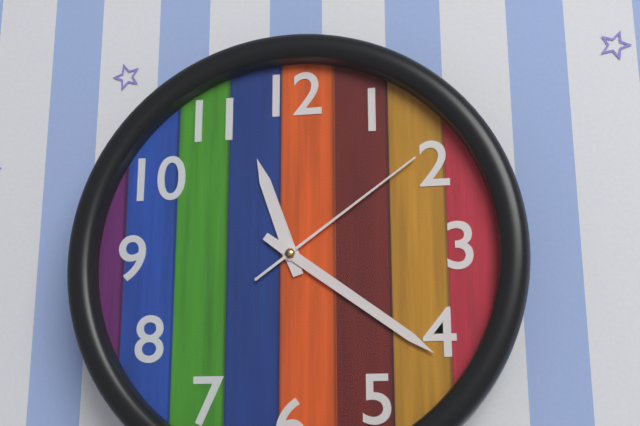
11:21:09
